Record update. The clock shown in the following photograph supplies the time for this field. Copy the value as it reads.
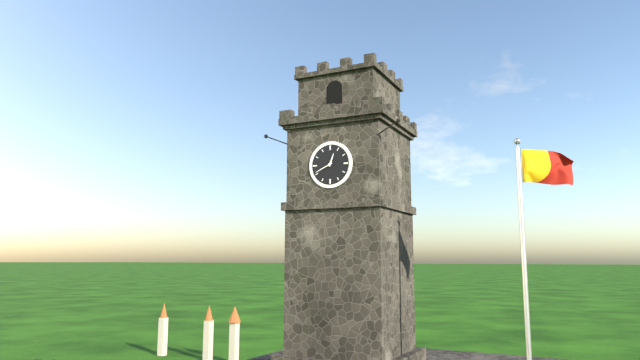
12:41
